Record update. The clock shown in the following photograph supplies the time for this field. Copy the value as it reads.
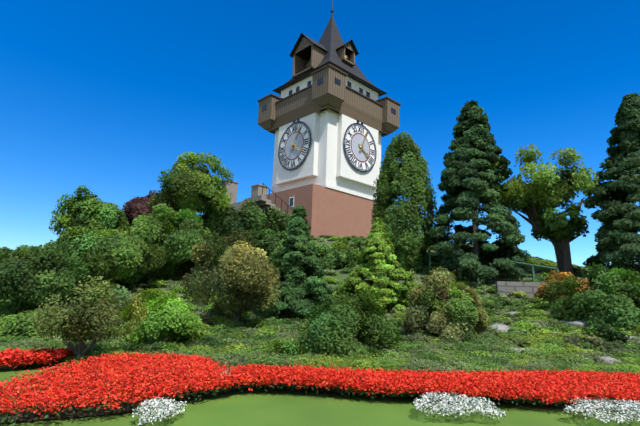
4:04
